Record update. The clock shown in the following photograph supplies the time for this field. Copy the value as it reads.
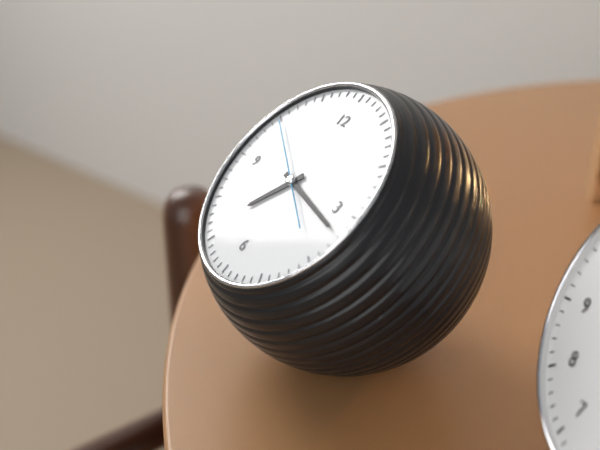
7:17:50
